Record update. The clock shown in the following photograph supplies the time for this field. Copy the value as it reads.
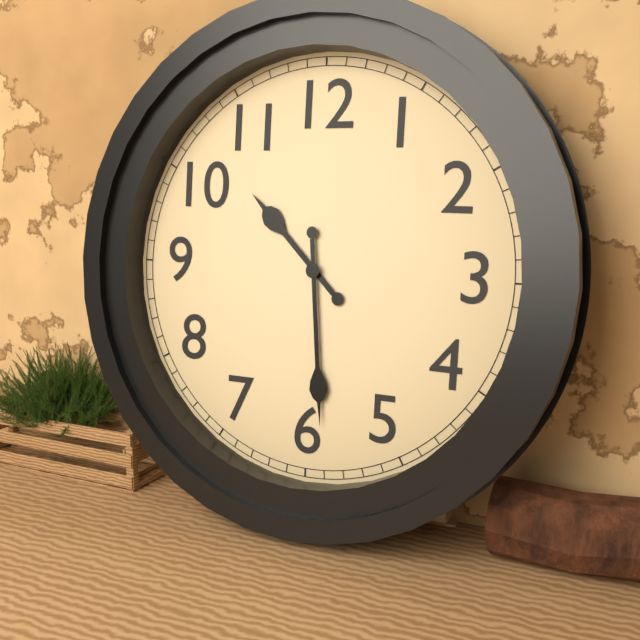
10:29
